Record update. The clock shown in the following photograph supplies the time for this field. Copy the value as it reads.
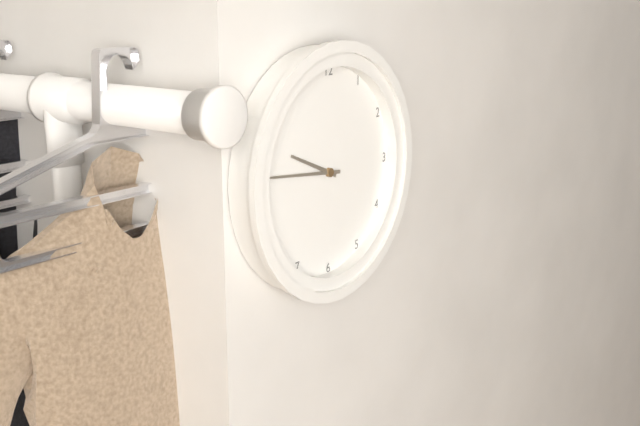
9:46
